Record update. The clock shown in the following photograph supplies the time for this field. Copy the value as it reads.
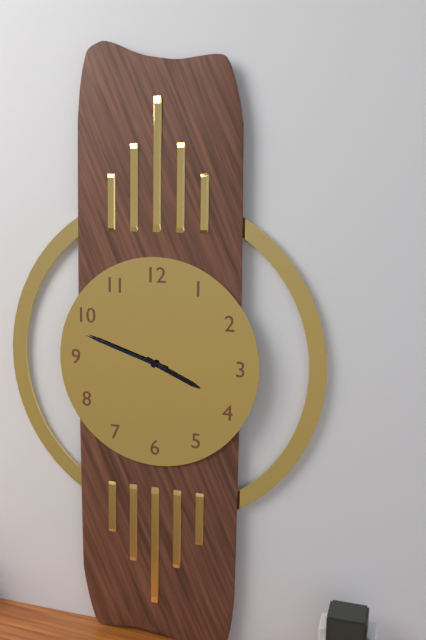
3:48
